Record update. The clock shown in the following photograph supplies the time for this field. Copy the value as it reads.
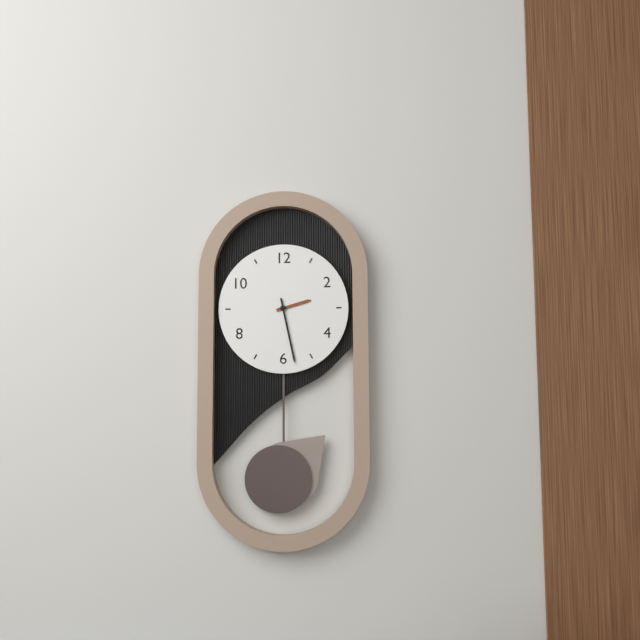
2:28
